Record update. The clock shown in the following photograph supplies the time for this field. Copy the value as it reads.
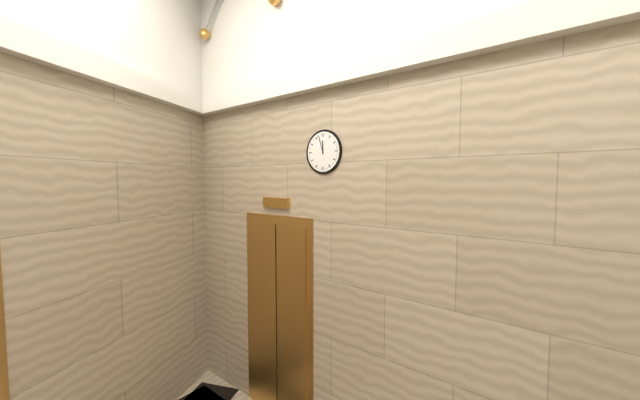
11:57
